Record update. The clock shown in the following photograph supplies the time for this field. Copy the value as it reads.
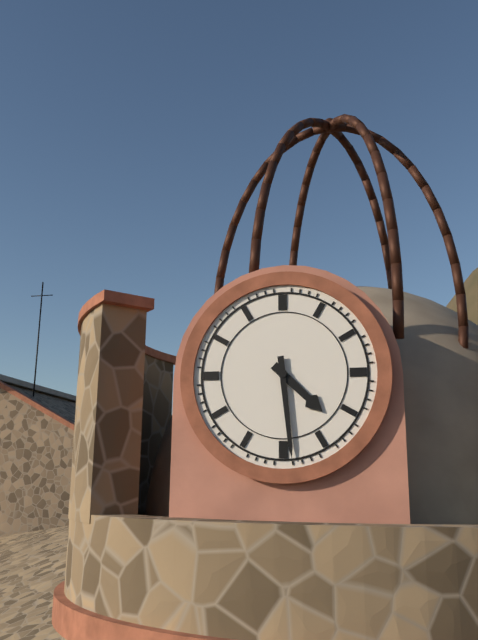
4:29
